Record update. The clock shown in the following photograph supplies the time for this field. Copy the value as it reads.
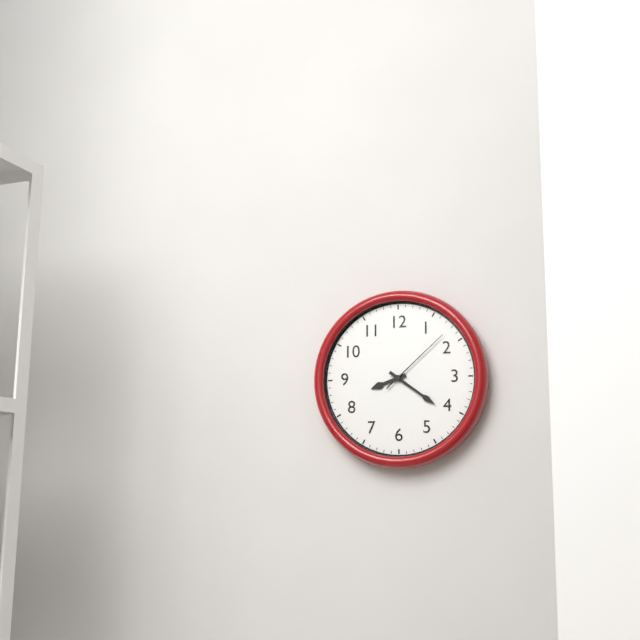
8:21:08
